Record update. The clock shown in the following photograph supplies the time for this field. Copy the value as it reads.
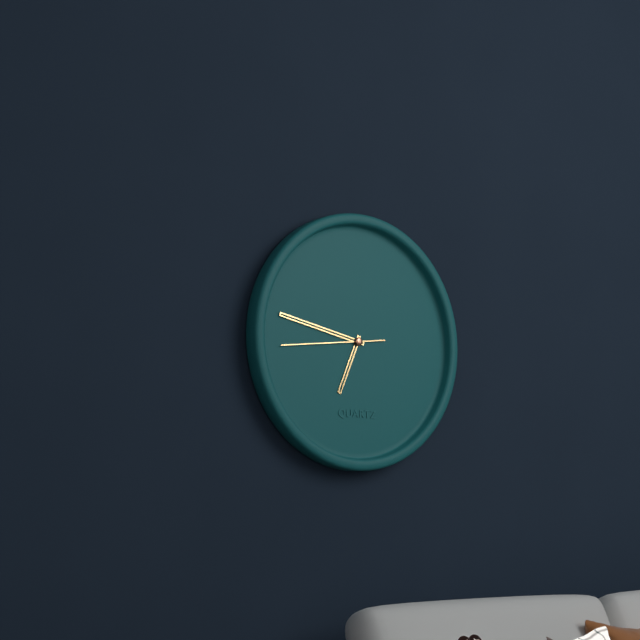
6:47:44
